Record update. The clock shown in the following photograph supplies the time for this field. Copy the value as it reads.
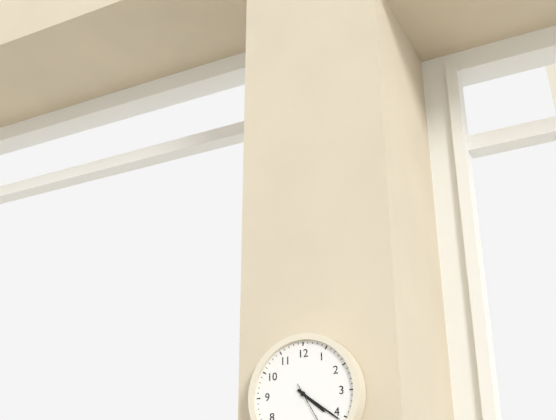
4:21
